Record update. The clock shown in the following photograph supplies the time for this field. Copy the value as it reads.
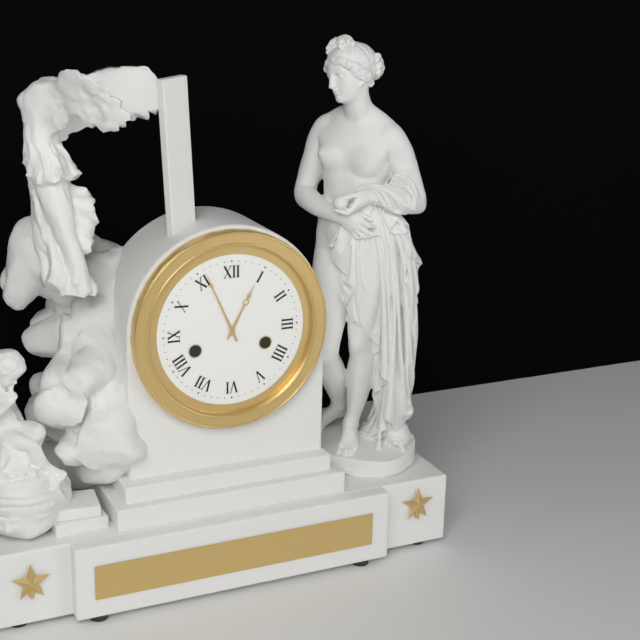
12:56
